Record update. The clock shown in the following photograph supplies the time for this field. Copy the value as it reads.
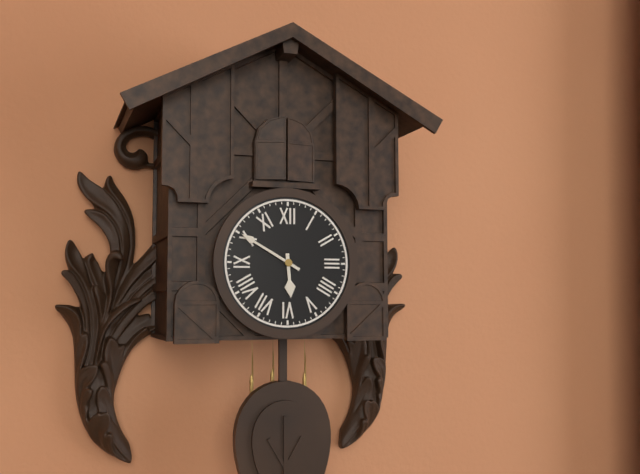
5:50
